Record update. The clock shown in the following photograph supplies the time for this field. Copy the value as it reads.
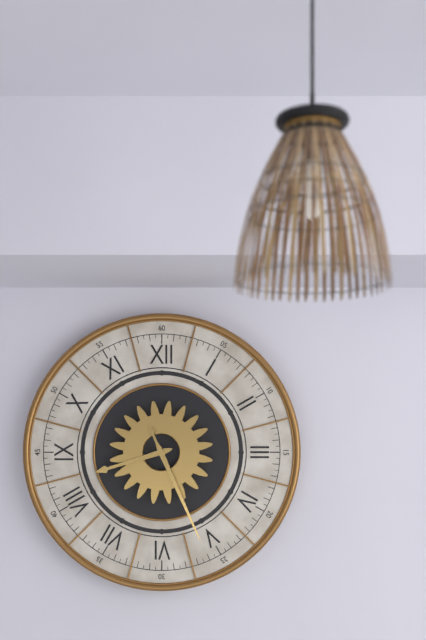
8:26
